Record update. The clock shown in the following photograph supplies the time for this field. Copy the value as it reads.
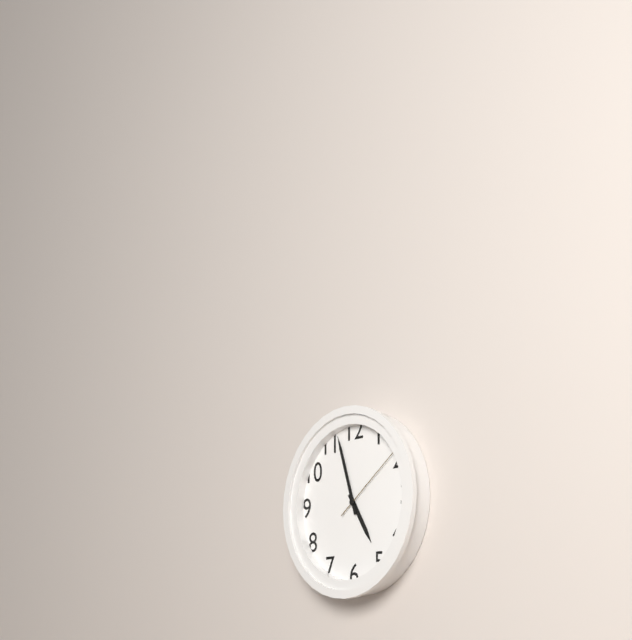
4:57:09
